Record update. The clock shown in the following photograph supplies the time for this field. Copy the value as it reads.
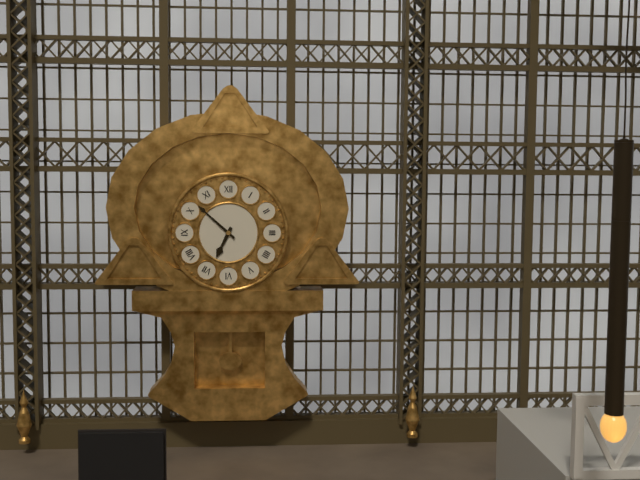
6:52
